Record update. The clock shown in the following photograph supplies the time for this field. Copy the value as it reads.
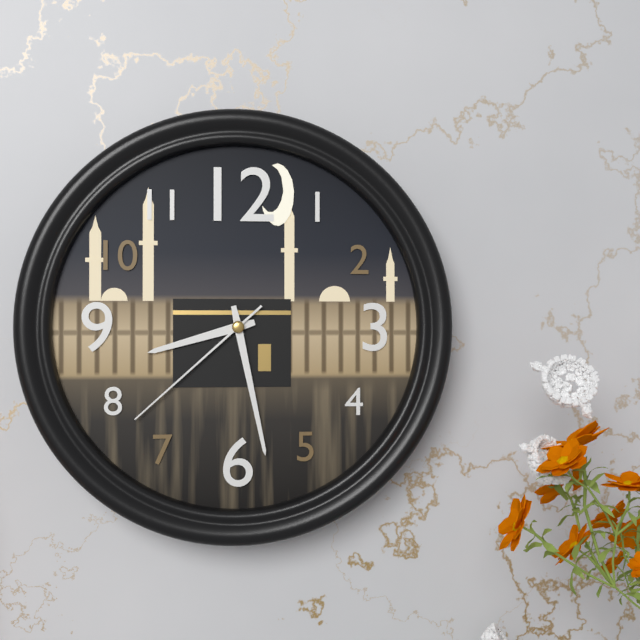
8:28:38
